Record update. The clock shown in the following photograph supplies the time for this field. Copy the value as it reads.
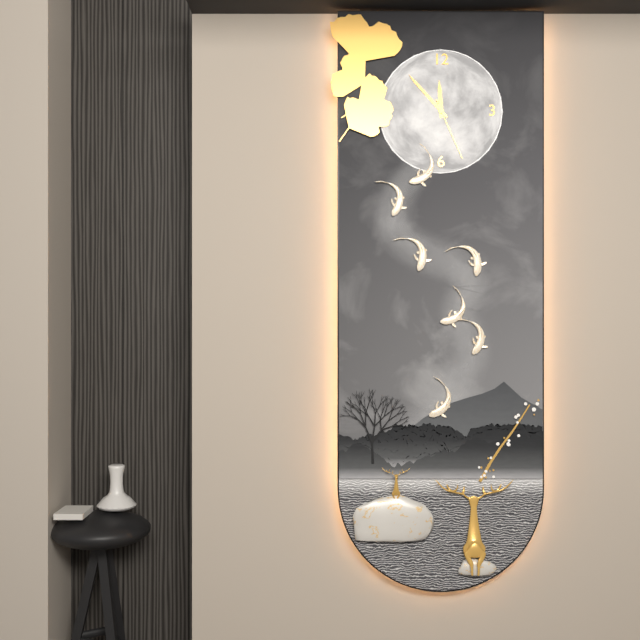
11:53:26
